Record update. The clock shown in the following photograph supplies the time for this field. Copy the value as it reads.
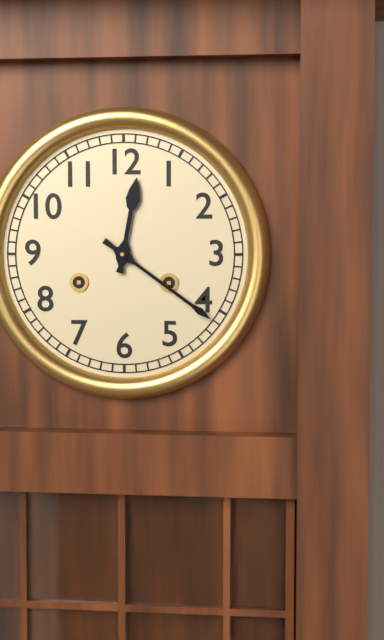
12:21
